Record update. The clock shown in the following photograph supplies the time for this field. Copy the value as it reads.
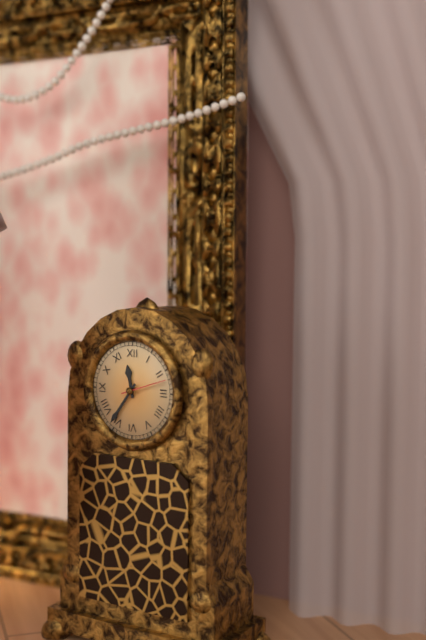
11:36
